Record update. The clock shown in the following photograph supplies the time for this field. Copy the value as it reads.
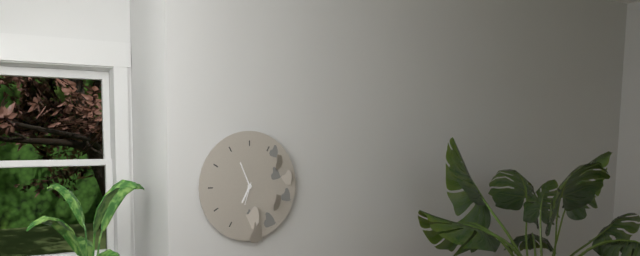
6:56
